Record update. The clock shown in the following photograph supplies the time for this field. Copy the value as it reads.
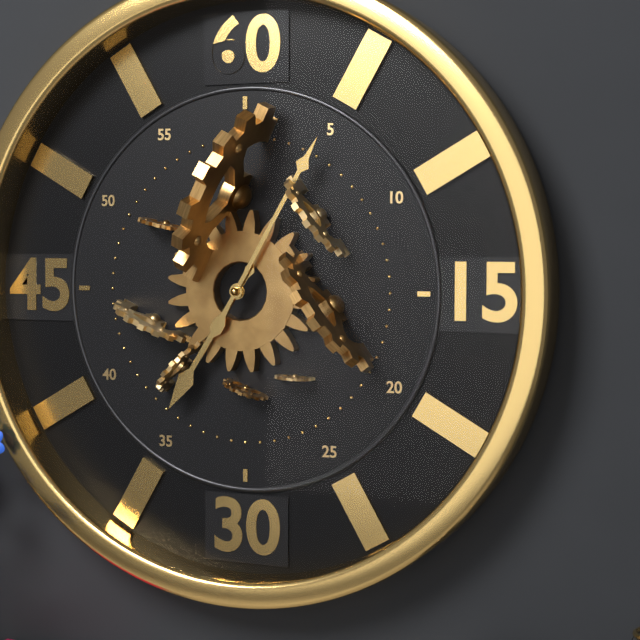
7:05
